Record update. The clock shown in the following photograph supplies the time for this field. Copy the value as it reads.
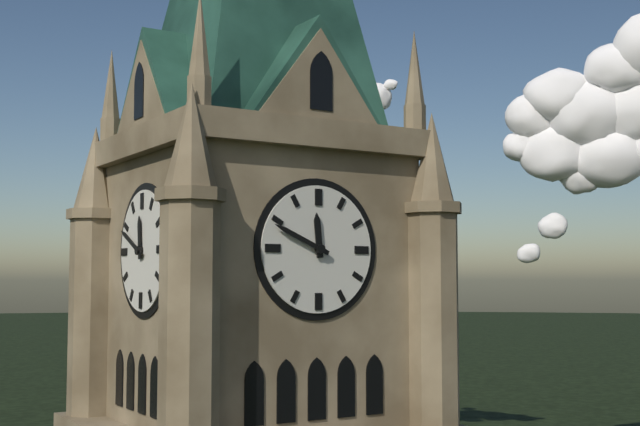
11:49
